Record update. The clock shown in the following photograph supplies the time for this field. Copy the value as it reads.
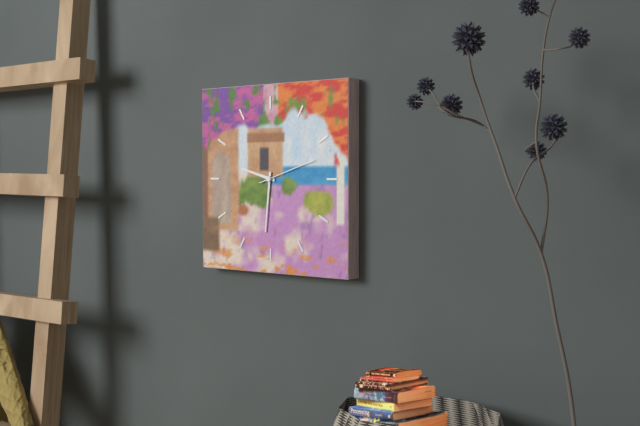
9:31:12
